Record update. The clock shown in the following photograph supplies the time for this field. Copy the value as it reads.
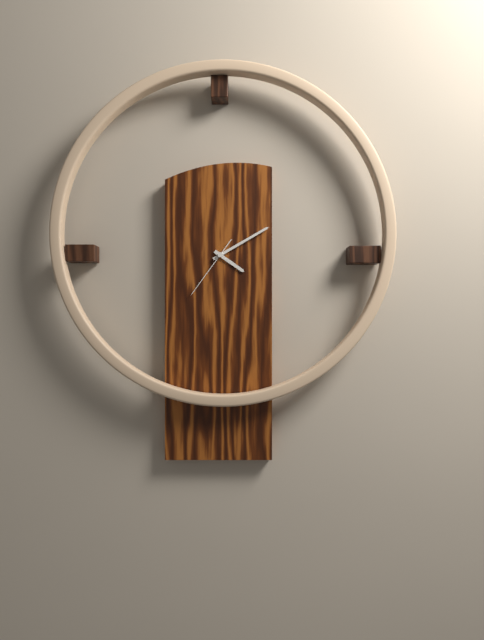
4:10:36
